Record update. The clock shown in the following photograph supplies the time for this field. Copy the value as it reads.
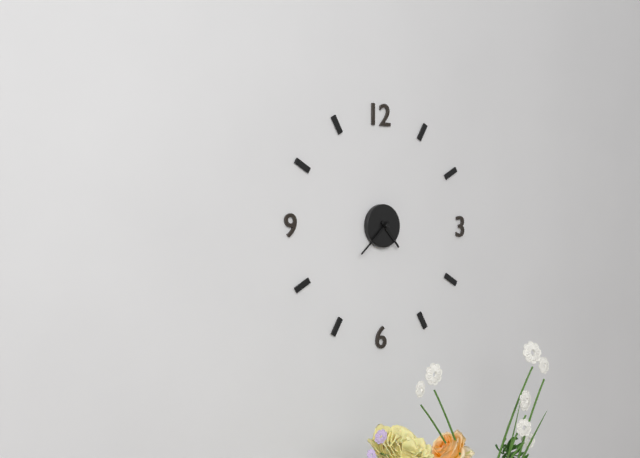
4:38
